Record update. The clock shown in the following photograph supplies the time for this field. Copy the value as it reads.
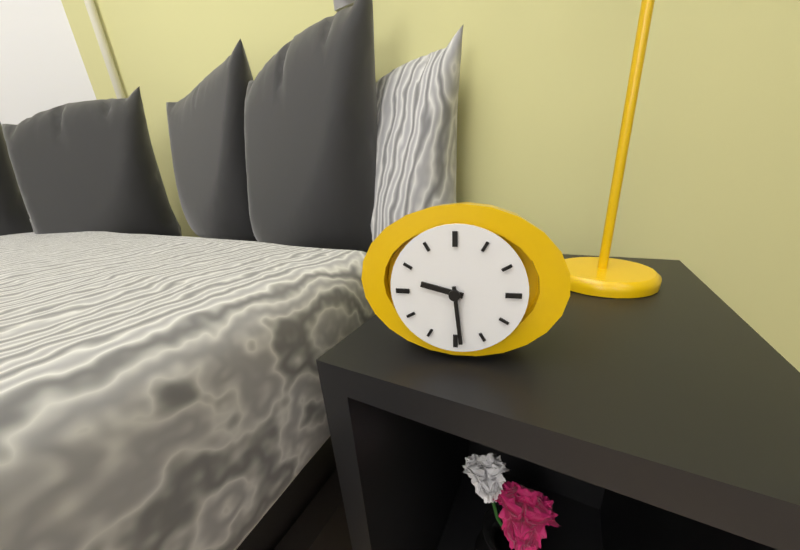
9:29
